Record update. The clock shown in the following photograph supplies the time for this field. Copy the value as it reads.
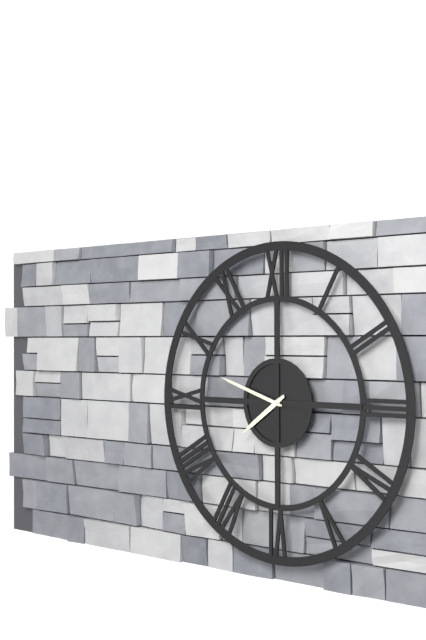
7:48
